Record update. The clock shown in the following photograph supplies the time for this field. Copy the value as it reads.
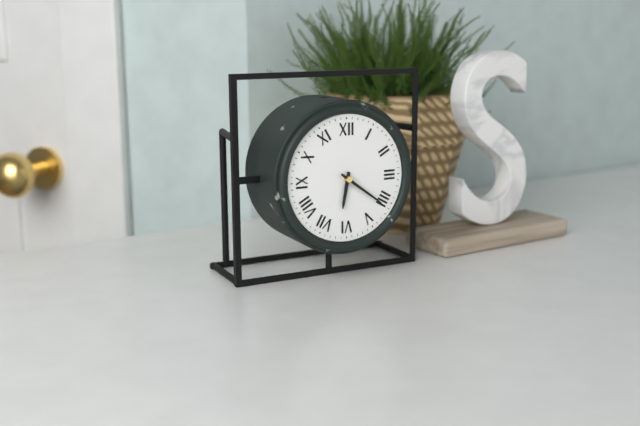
6:21
